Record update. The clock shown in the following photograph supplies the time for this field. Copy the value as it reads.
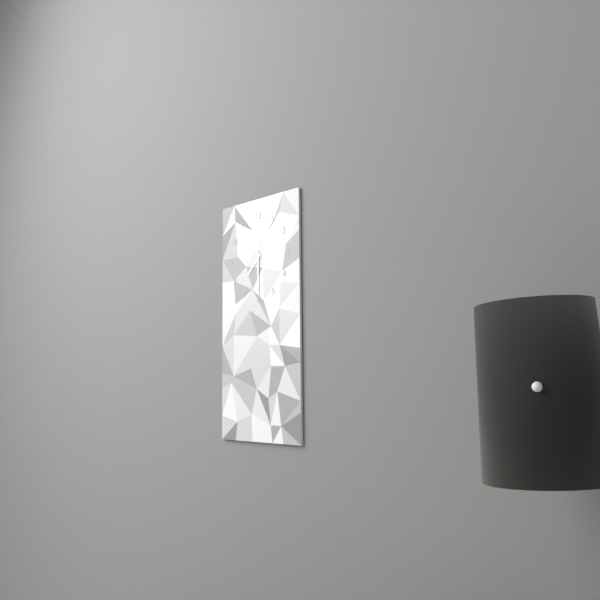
7:30
